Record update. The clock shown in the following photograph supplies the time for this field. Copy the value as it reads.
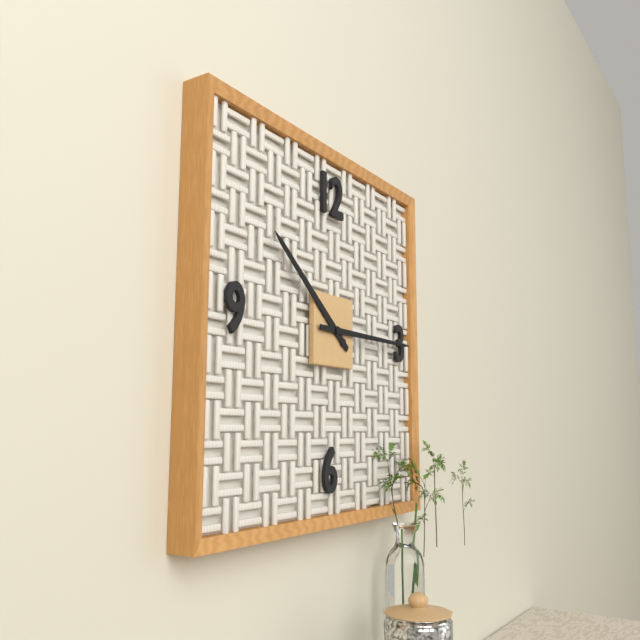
10:15
